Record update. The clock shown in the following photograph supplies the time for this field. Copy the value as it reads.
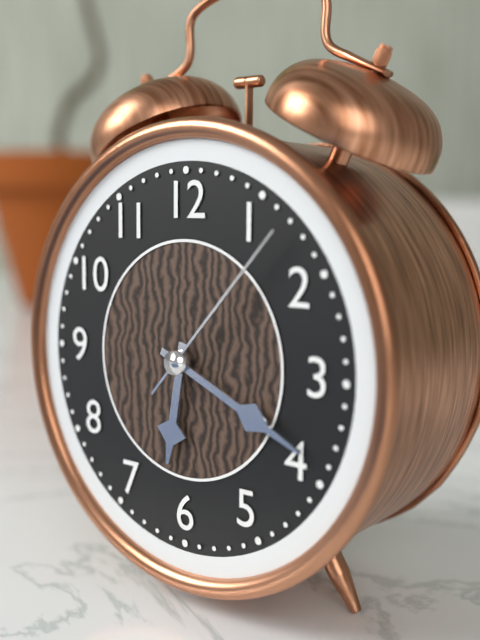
6:19:07
